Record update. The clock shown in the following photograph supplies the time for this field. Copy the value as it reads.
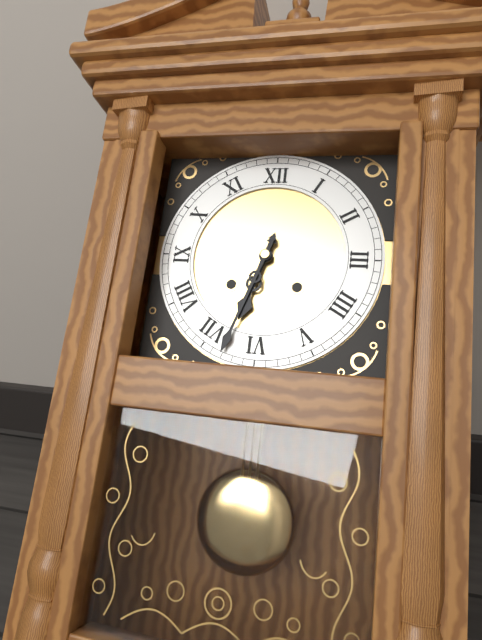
6:33
